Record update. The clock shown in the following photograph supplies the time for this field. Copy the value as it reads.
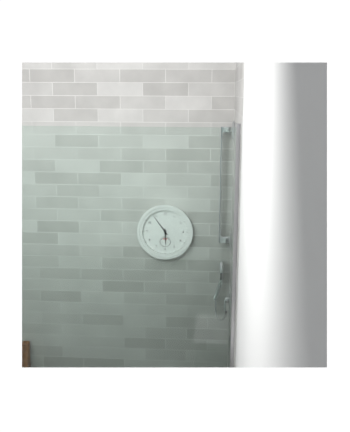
5:54
